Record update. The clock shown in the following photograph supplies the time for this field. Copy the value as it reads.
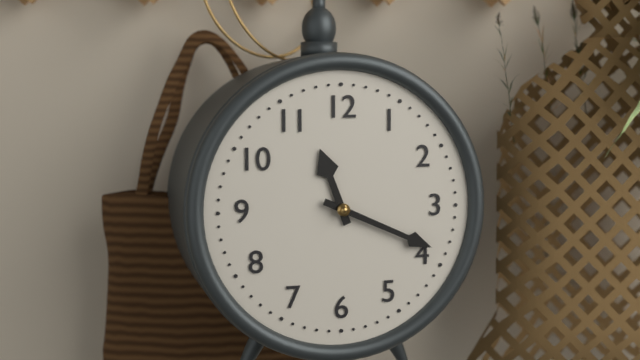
11:19
